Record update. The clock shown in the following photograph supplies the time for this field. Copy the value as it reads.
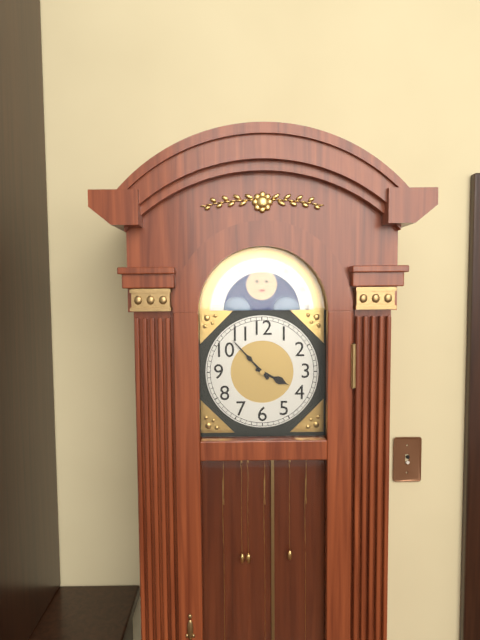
3:53
